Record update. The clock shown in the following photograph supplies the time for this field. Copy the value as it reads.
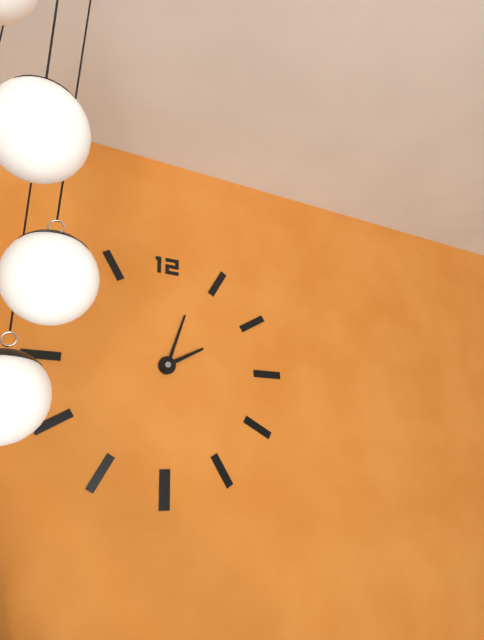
2:03
